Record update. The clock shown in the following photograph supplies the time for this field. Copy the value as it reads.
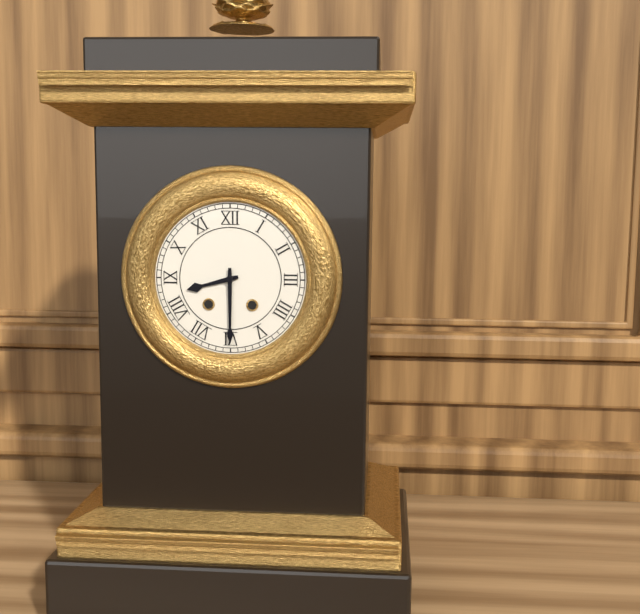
8:30
